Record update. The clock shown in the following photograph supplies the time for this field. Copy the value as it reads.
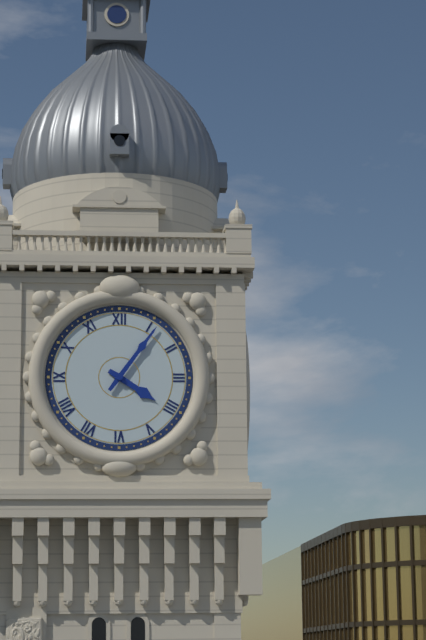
4:06
